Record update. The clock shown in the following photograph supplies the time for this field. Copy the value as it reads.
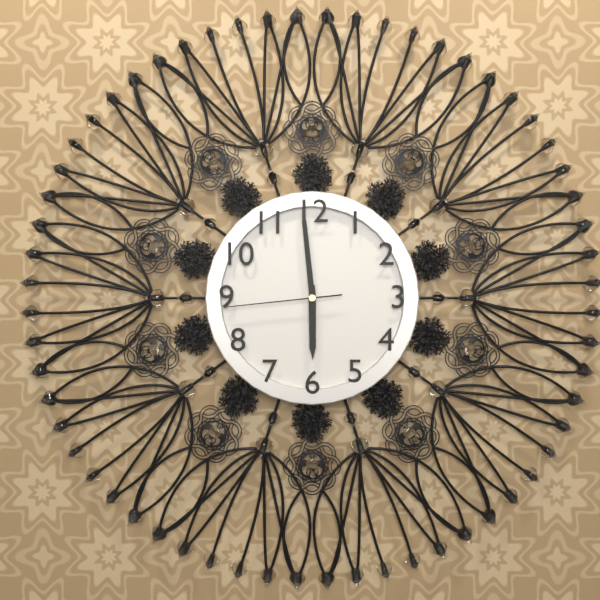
5:59:44
